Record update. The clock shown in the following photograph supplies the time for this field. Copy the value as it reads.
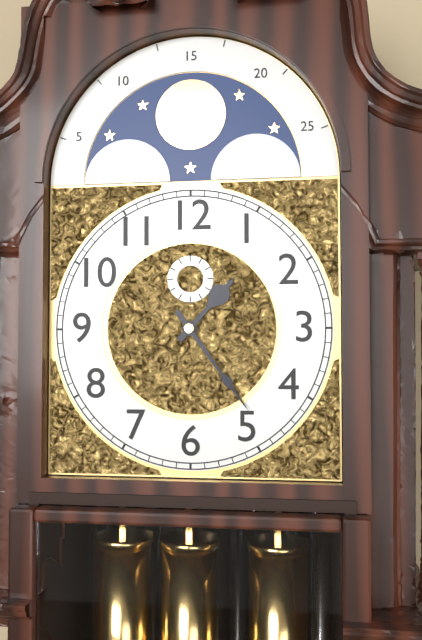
1:24
